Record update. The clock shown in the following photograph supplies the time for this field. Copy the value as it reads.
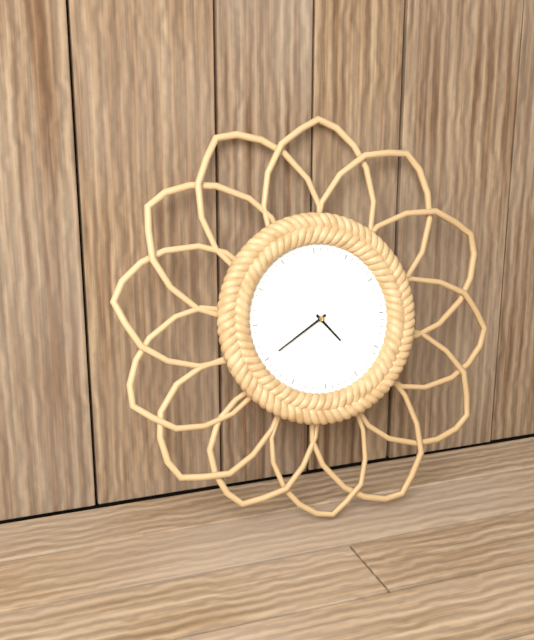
4:40
